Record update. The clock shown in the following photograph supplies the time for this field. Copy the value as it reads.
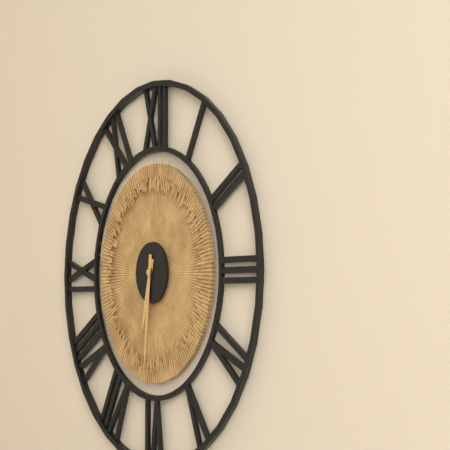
6:31
